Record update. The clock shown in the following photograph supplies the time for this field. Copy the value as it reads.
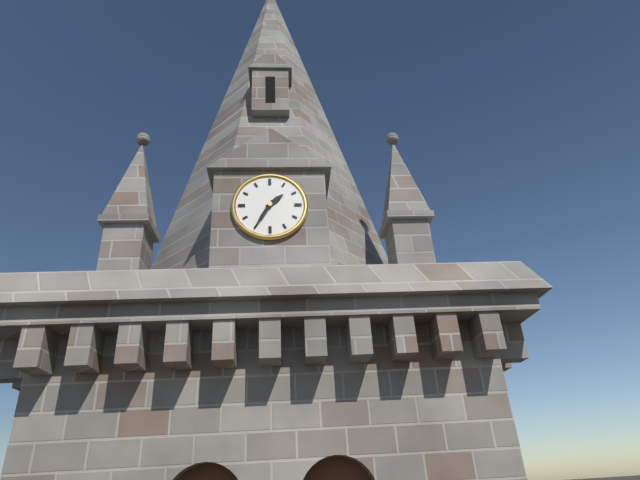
1:35
